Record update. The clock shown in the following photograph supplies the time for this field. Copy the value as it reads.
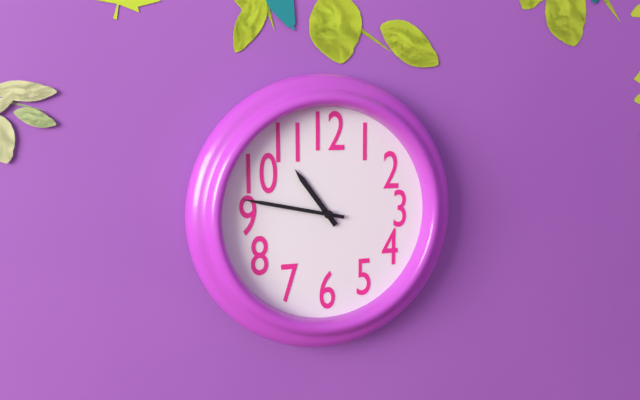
10:47
